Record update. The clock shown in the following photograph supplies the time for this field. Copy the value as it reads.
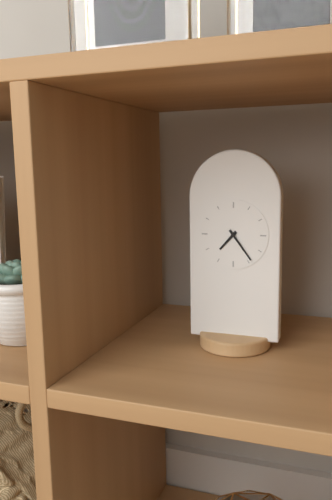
7:24
